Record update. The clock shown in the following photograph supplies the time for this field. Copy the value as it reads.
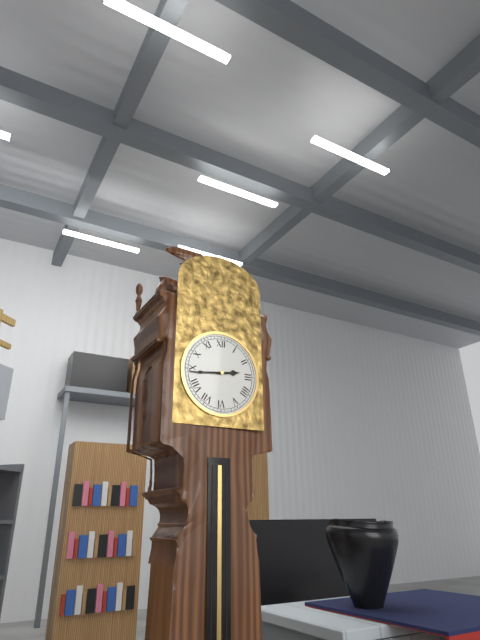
2:44
